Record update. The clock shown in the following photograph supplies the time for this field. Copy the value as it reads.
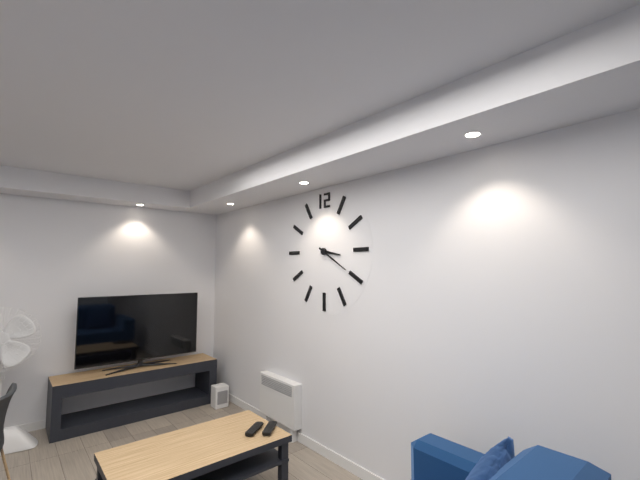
3:20
